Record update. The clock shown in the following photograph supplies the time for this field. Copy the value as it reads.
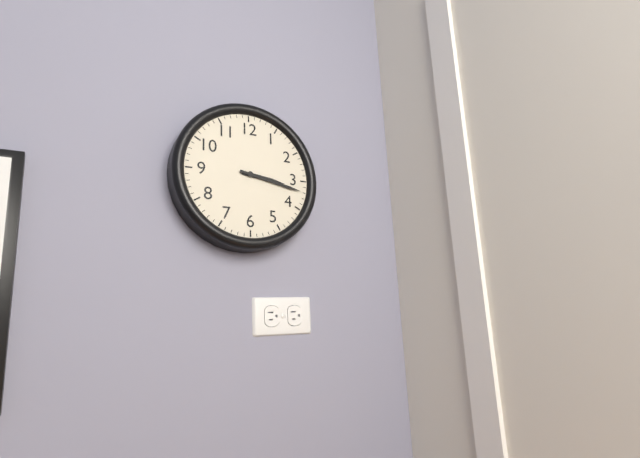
3:17
